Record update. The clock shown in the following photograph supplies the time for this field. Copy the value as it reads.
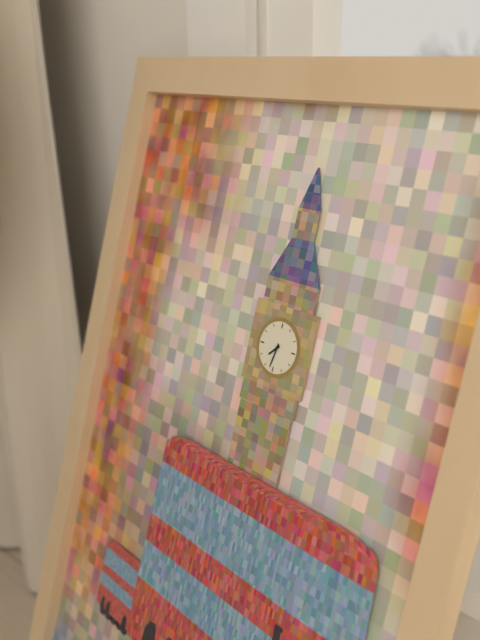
7:32
